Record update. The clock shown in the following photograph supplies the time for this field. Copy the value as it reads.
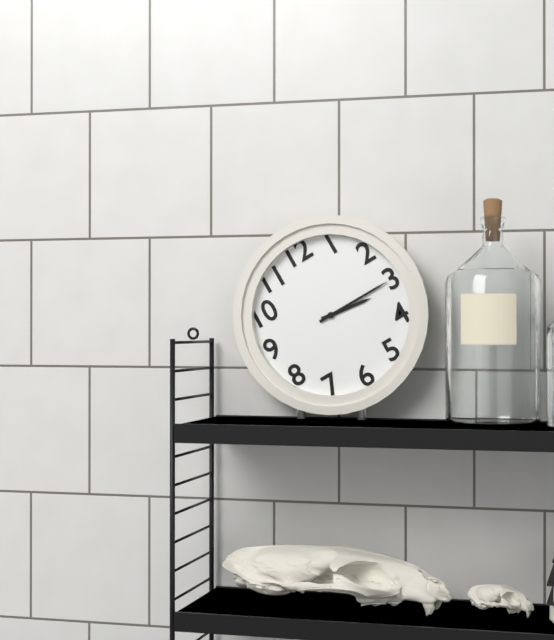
3:15
